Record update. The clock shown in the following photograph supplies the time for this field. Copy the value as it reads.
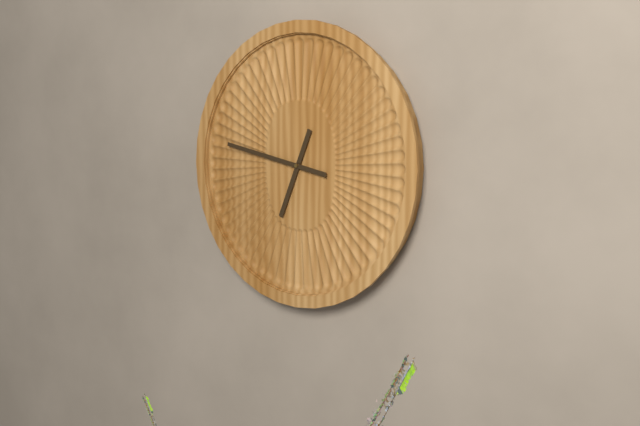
6:47
